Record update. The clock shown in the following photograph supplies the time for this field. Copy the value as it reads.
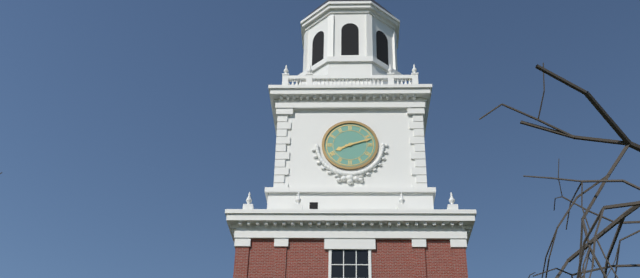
8:12
